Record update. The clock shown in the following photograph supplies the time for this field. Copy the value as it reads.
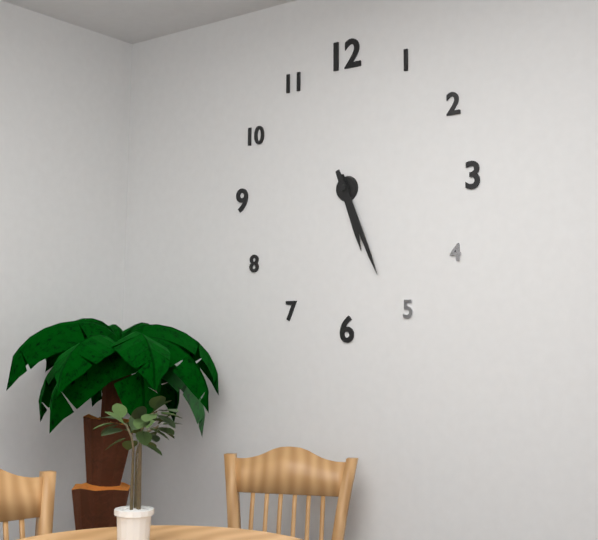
5:26
